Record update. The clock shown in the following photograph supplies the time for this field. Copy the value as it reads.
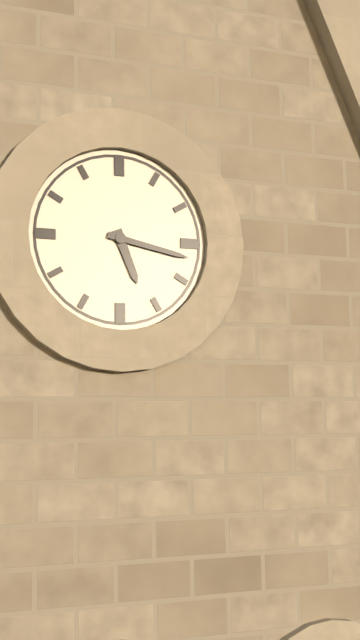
5:17
